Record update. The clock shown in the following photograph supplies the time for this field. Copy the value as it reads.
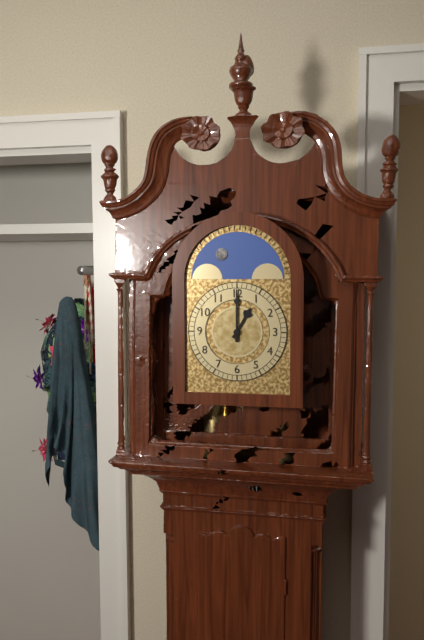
1:00
